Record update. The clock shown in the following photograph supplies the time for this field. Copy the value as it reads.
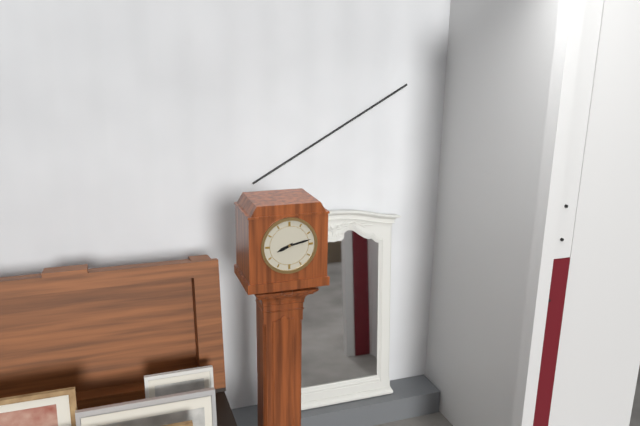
8:13
